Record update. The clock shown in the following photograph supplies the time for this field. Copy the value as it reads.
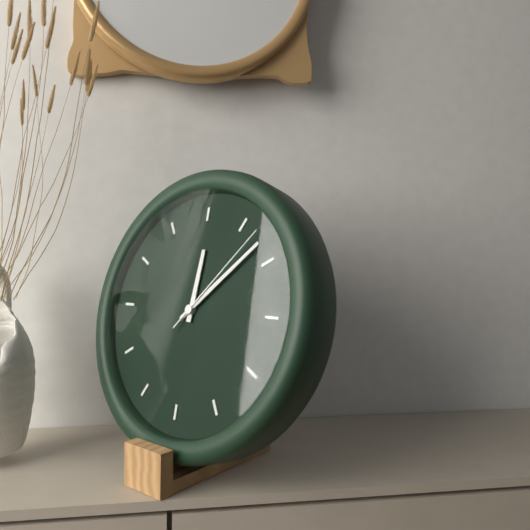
12:08:07
